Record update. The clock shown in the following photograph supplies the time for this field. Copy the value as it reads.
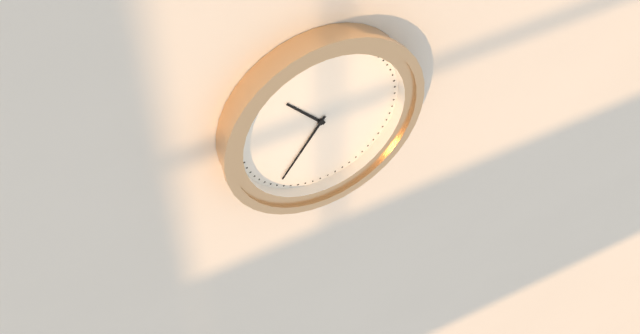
10:36
